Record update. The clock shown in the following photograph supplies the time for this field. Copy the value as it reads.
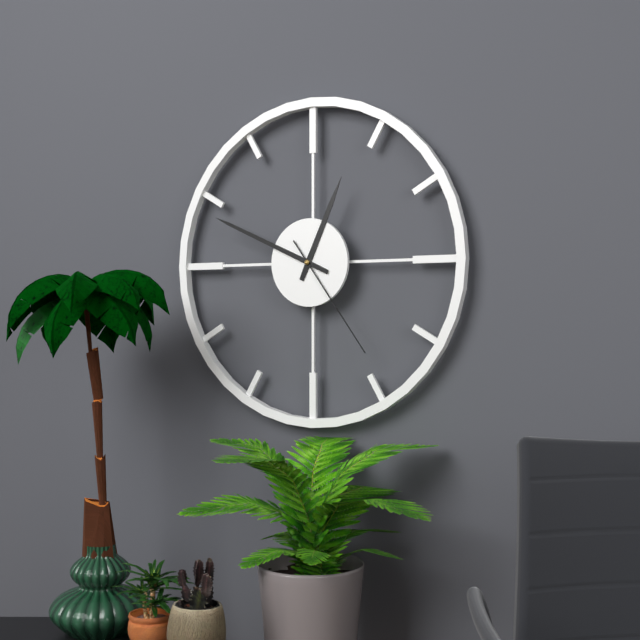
12:49:24
